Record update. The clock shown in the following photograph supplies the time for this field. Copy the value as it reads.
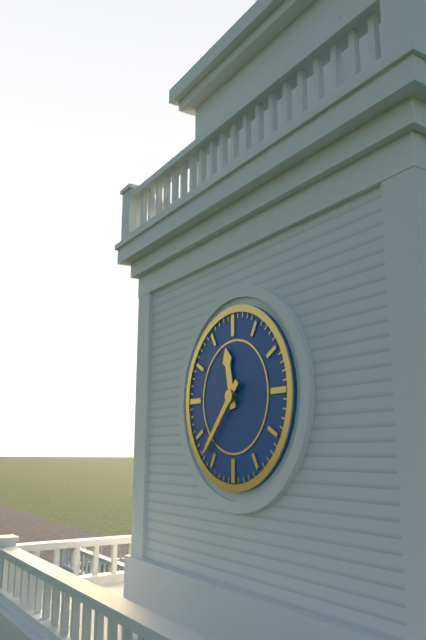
11:37
